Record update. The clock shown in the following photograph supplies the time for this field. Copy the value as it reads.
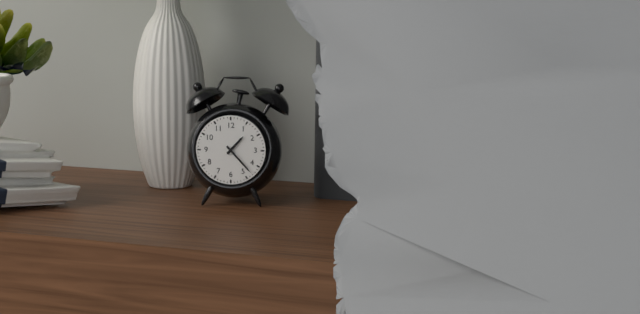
1:23
